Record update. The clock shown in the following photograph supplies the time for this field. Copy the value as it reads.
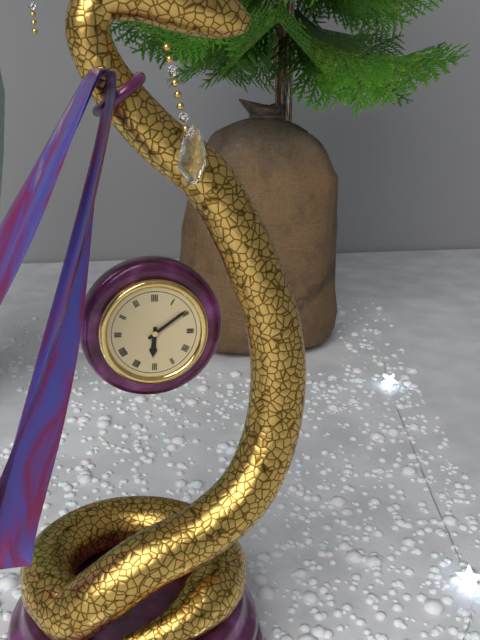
6:09
